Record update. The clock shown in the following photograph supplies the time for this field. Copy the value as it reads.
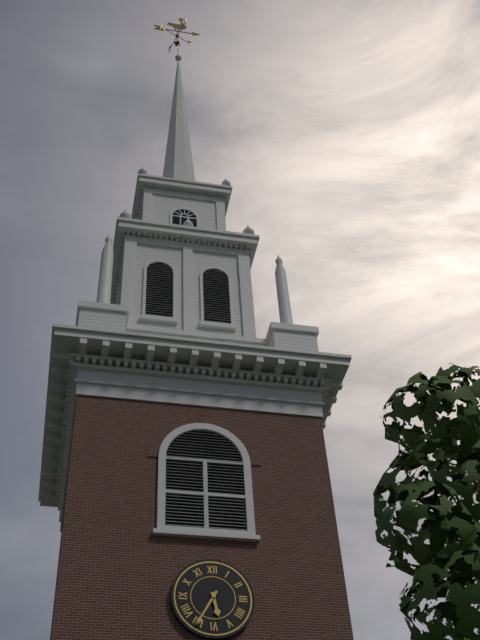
5:35
